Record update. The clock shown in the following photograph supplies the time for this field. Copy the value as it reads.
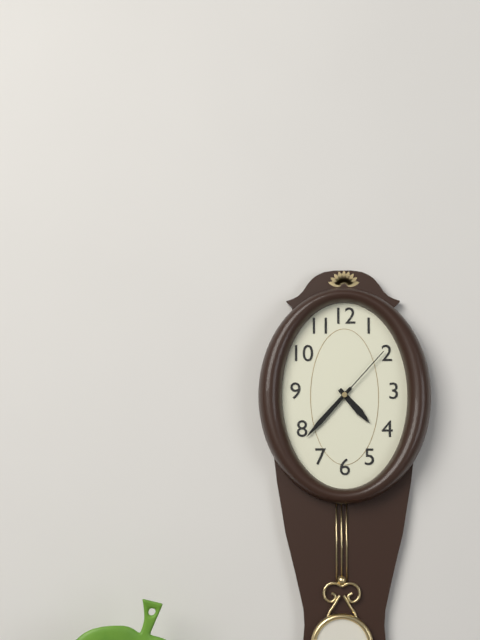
4:37:07
